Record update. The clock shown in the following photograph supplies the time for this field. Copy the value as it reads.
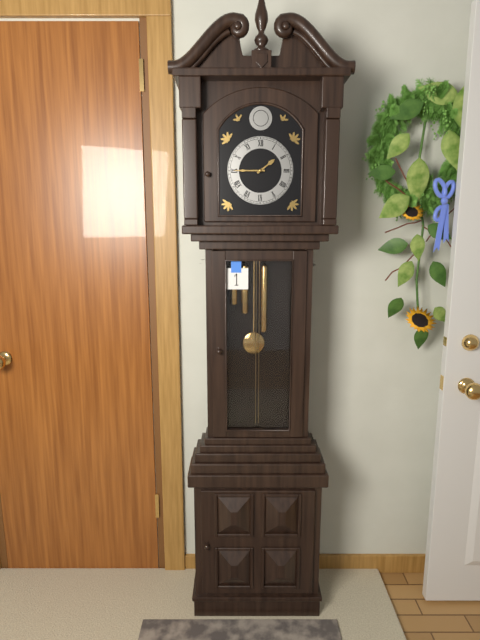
1:45
